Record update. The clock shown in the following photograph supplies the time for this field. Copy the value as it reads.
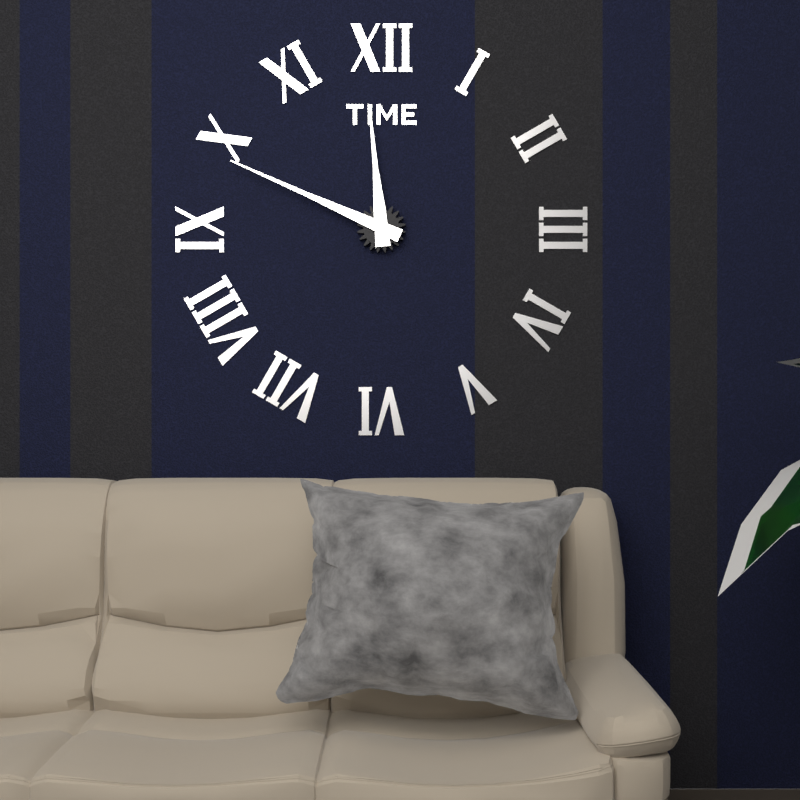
11:49
